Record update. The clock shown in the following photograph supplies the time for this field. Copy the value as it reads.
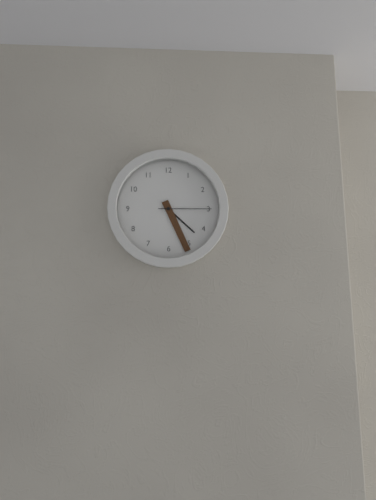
4:26:15
